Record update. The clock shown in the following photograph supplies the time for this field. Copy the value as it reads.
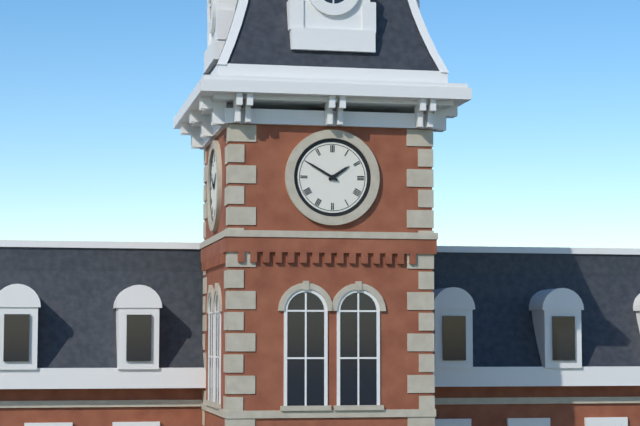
1:50
